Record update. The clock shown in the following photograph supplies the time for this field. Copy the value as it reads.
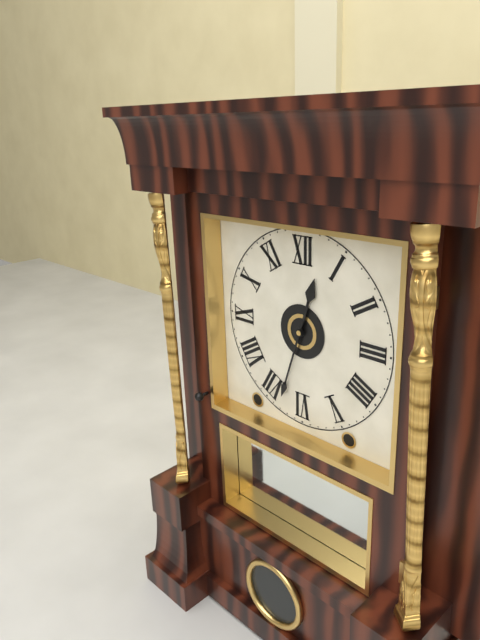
12:33
